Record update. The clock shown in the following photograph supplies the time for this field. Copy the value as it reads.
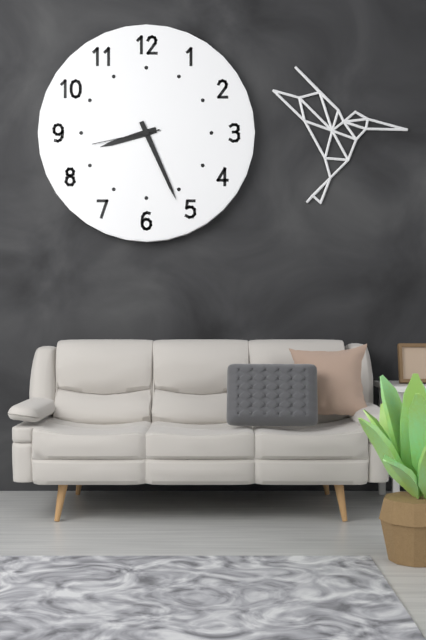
8:26:43
